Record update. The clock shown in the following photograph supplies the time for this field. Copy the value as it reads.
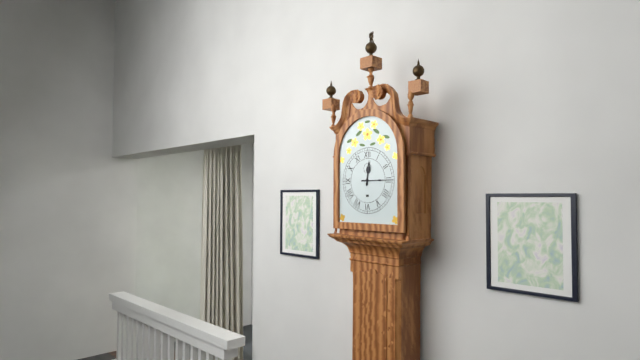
12:15
